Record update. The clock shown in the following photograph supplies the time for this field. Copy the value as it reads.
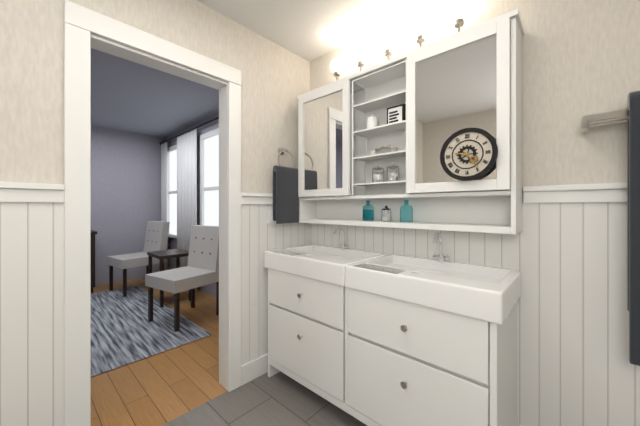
9:24
